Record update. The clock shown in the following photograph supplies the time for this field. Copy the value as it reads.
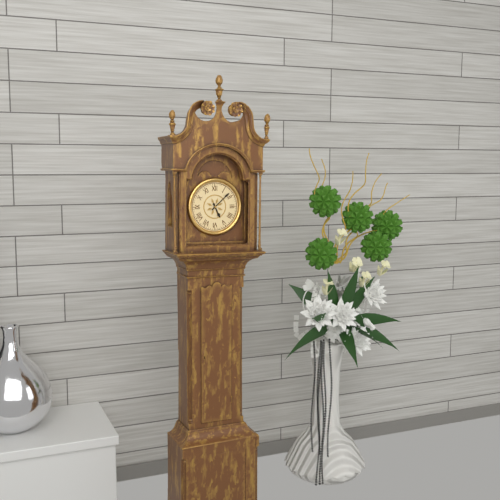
5:08
